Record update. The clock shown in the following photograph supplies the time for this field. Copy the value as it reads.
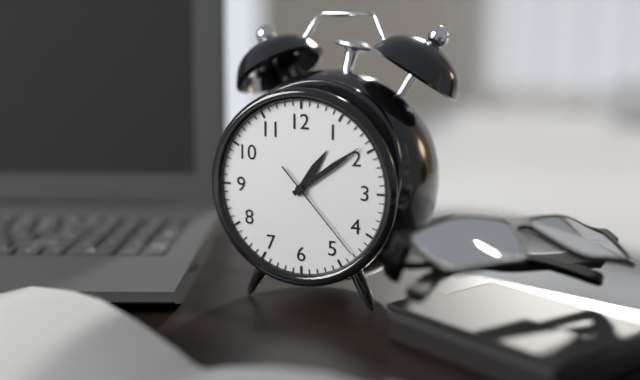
1:09:23
